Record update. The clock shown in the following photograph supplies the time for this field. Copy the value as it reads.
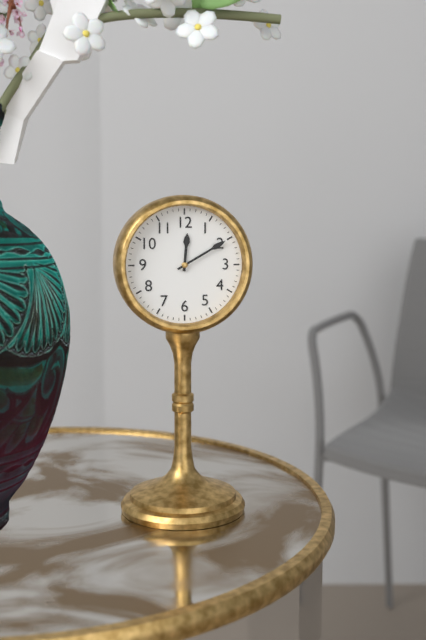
12:10
